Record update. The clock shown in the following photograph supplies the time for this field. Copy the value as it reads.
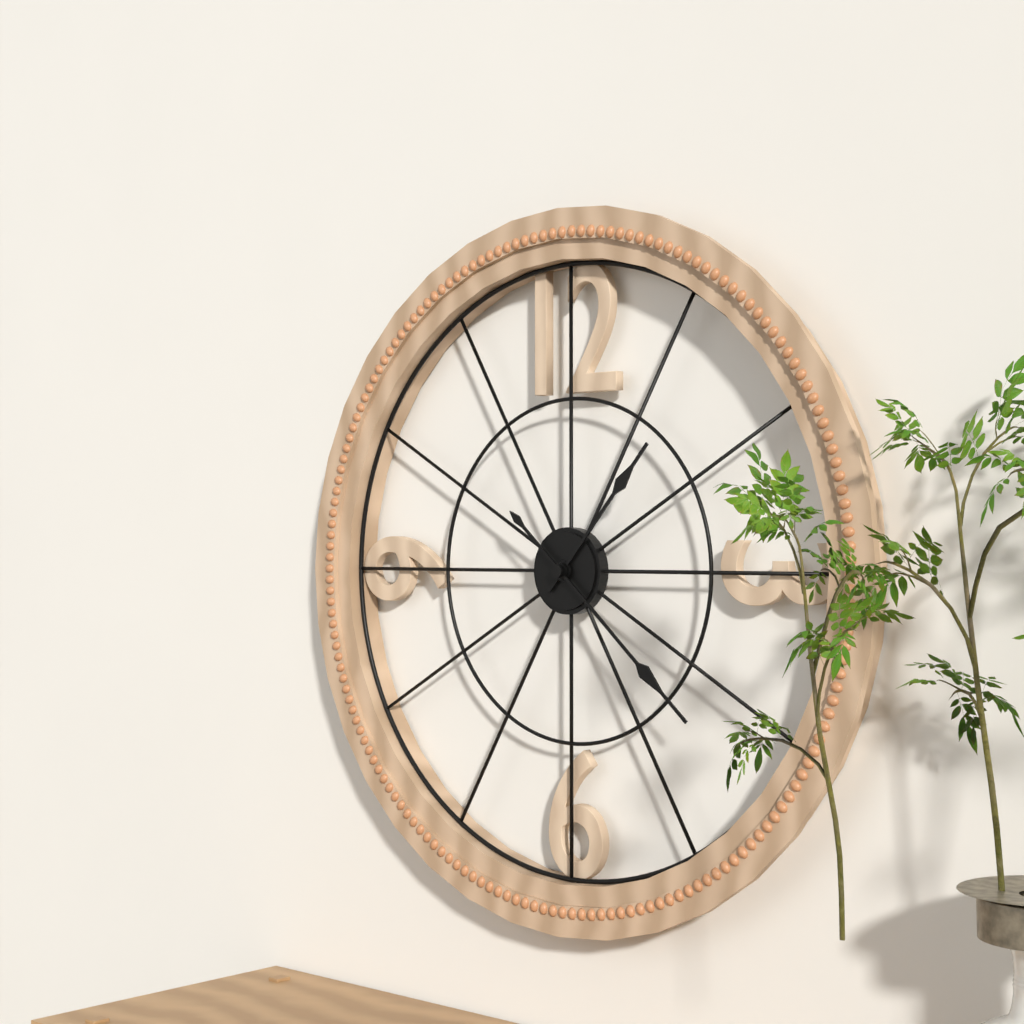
1:22
